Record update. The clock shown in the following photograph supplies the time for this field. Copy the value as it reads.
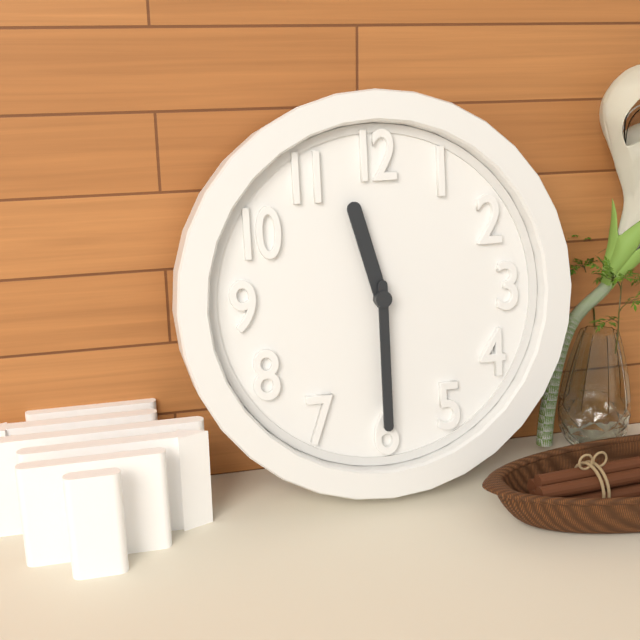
11:30
